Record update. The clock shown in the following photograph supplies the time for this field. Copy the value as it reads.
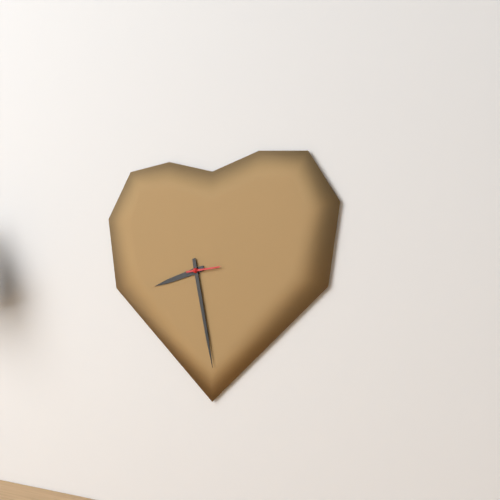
8:28
